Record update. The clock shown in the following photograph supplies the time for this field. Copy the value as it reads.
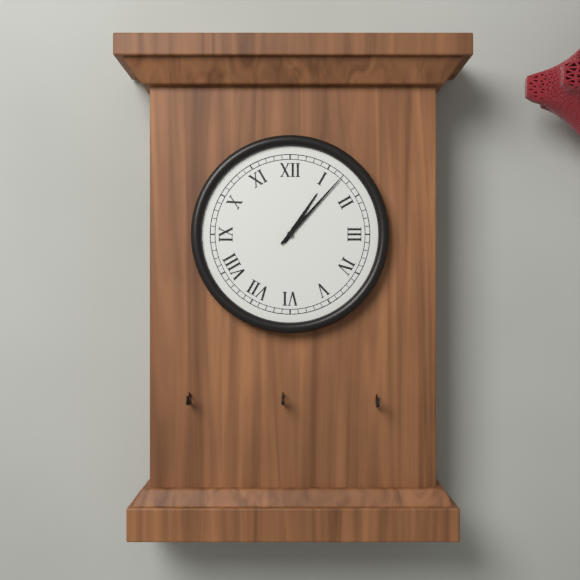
1:07
